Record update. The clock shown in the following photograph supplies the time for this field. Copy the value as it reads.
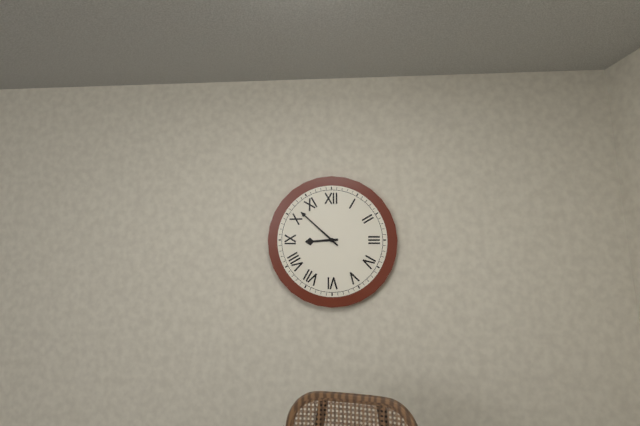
8:52
